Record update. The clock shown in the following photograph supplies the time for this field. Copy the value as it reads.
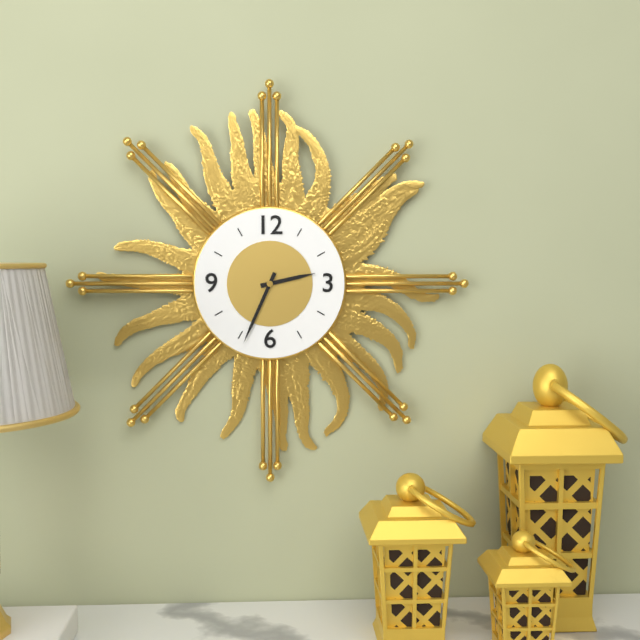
2:34
